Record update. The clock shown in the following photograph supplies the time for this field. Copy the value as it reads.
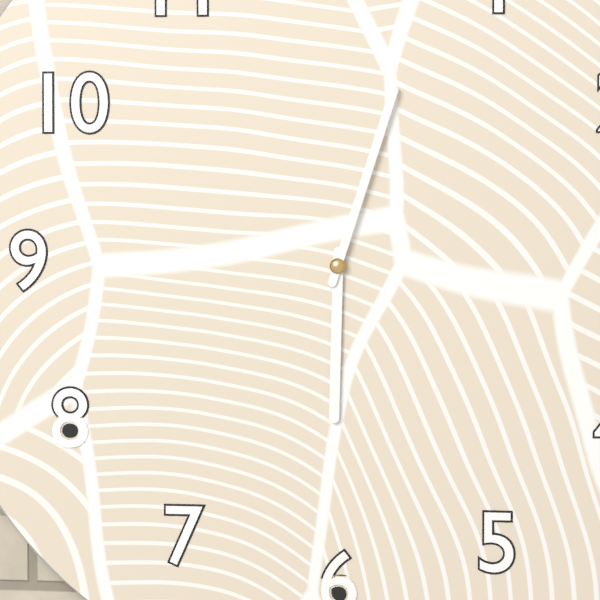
6:03
